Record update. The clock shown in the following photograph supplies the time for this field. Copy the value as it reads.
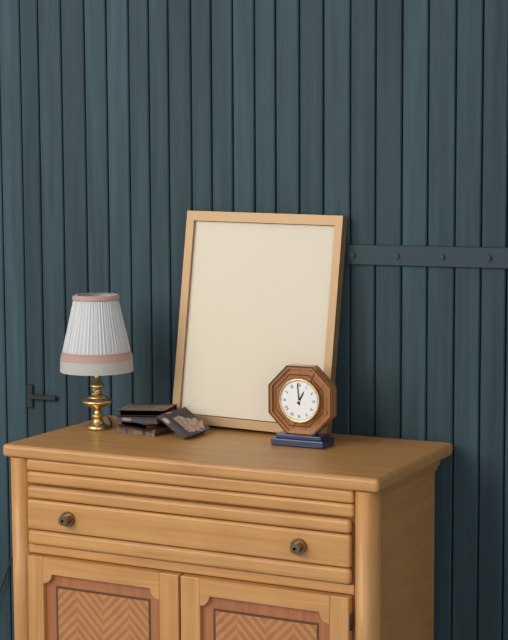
12:59
